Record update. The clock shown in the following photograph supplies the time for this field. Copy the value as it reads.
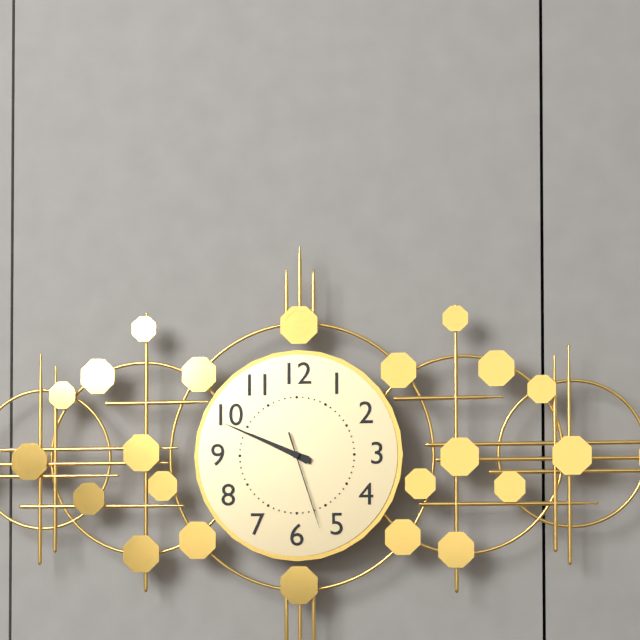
9:49:27
